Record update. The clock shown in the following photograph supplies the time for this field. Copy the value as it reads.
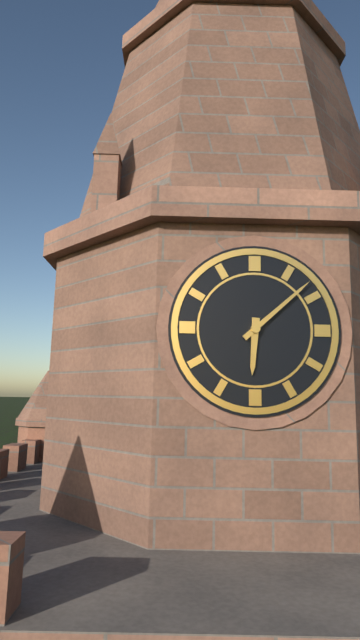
6:08
